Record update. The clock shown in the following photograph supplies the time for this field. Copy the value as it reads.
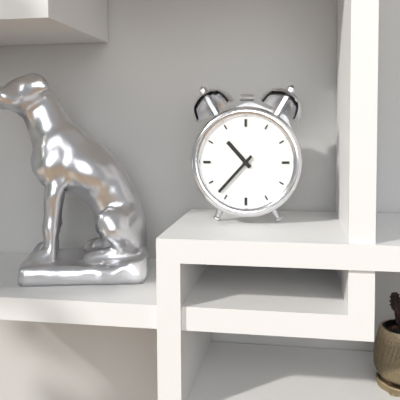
10:37
